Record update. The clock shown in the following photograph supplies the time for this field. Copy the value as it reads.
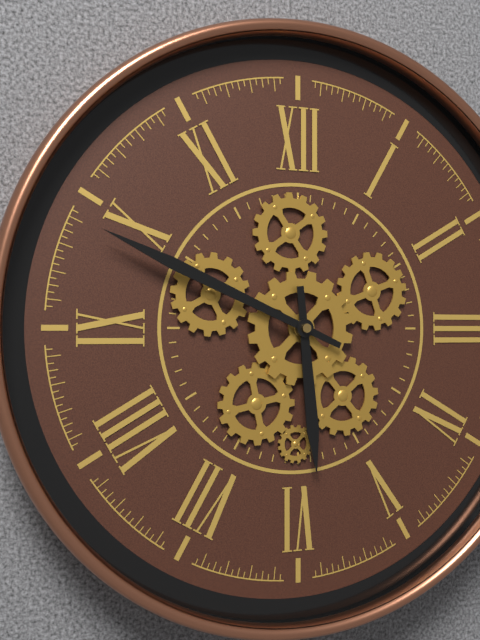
5:49
